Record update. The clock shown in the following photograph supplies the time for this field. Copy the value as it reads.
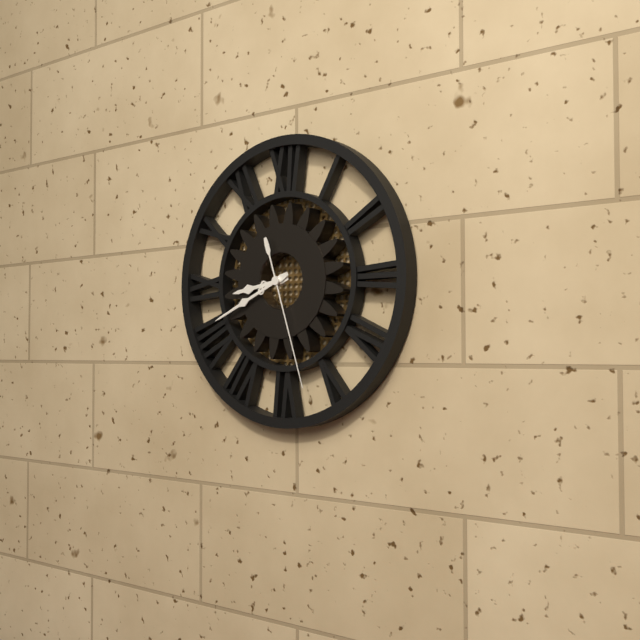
8:41:27
